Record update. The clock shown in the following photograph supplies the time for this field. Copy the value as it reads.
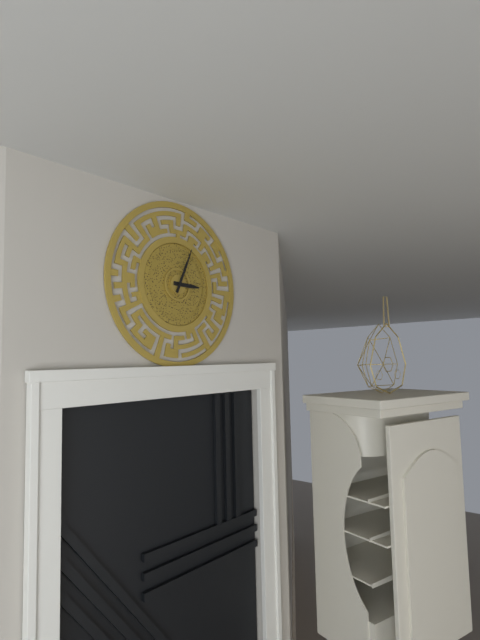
3:04
